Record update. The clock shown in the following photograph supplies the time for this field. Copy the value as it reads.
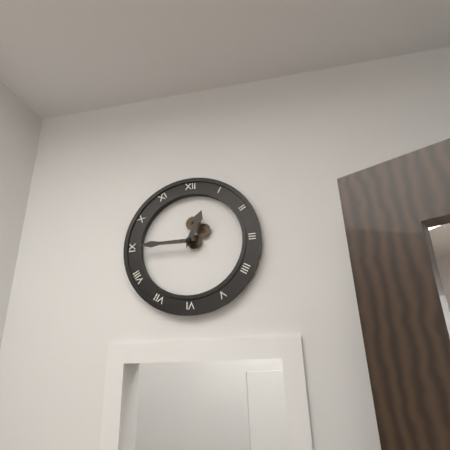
12:45
